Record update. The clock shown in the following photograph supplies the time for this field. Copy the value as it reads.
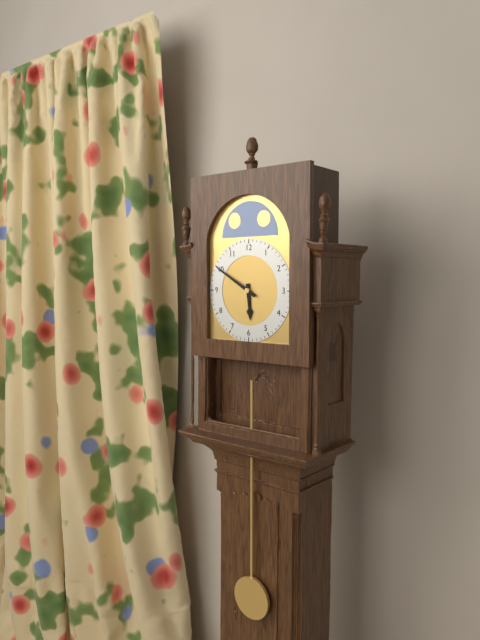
5:50
